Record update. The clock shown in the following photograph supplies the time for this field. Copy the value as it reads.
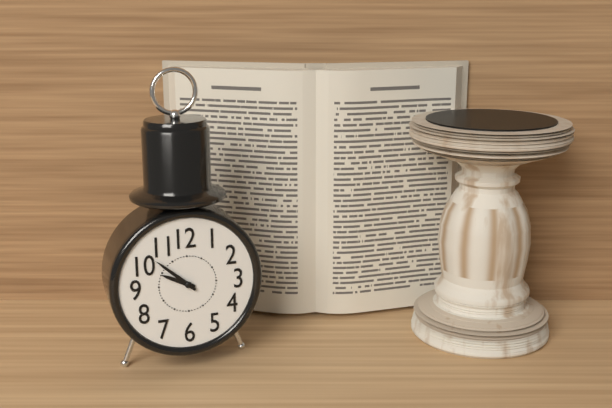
9:52
